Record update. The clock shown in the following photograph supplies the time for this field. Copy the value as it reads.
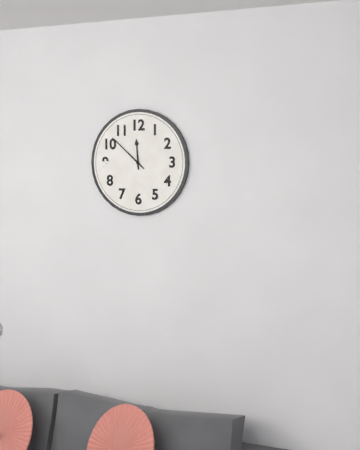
11:52
